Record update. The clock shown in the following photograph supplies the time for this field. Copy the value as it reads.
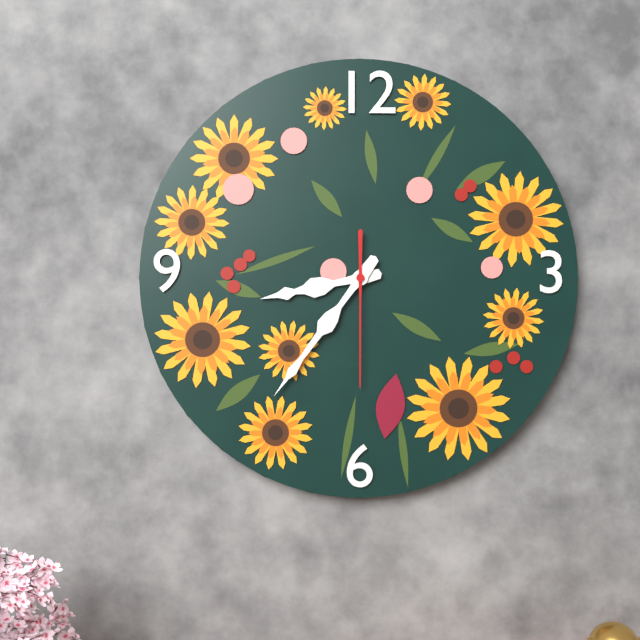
8:36:30
